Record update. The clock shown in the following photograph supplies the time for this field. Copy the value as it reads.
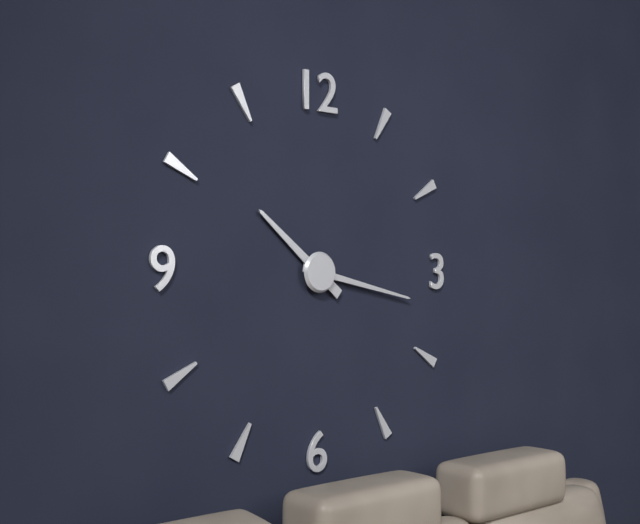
10:17
